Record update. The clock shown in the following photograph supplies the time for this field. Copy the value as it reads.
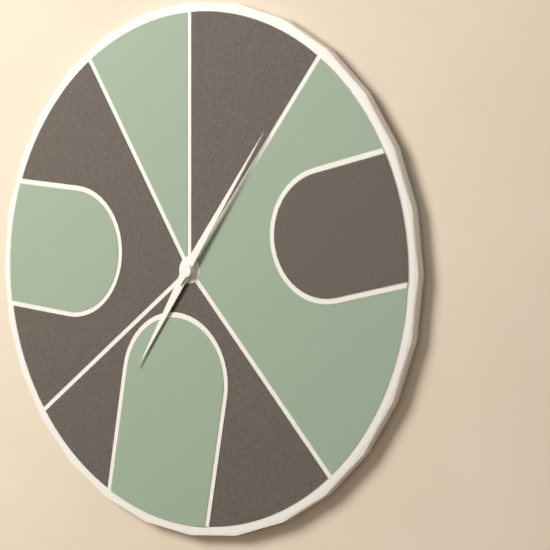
7:06
